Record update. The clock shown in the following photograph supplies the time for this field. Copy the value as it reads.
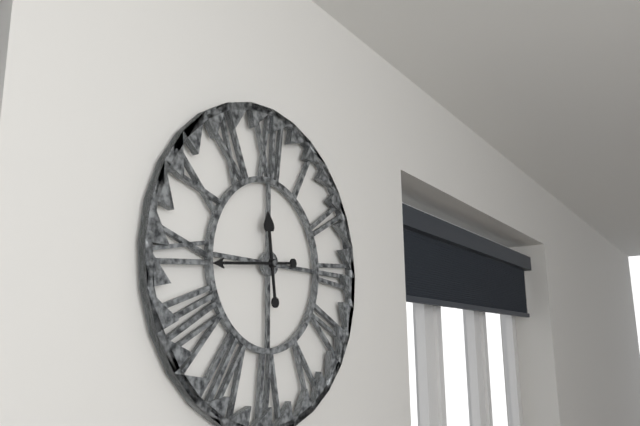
11:44
